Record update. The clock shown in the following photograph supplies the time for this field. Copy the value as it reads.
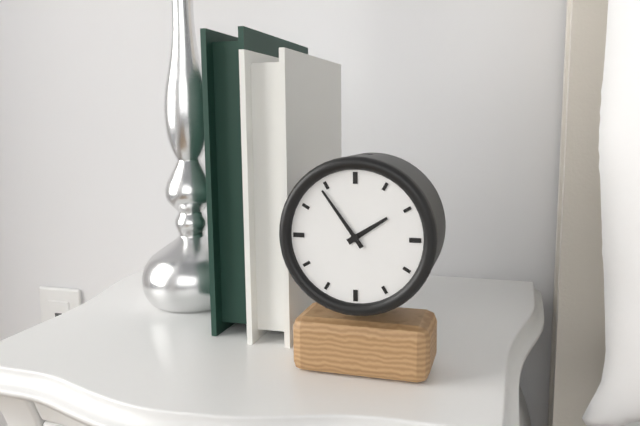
1:54
